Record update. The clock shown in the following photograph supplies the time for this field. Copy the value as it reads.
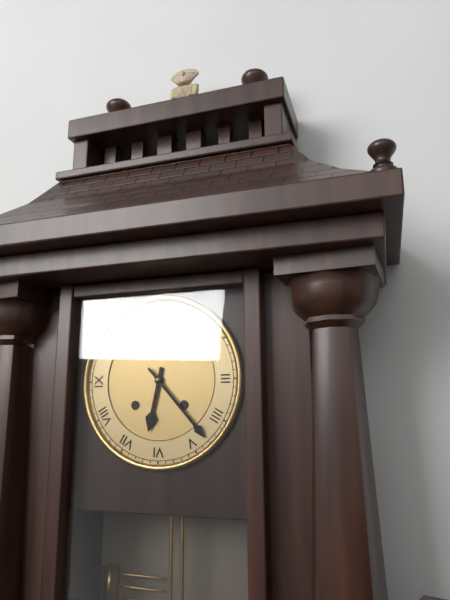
6:23
